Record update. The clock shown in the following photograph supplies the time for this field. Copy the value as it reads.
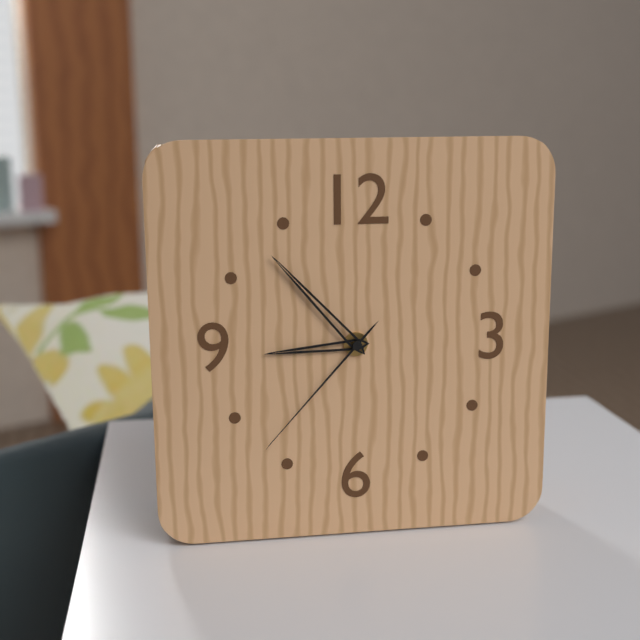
8:53:37
